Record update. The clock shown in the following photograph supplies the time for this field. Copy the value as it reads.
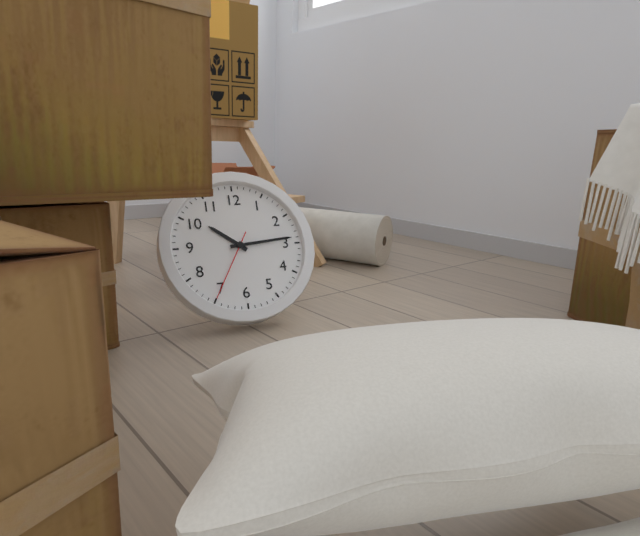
10:14:35
